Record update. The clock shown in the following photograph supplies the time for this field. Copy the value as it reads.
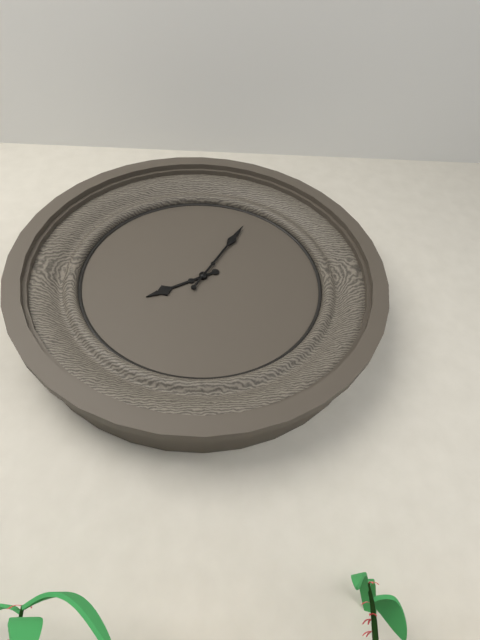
8:05
